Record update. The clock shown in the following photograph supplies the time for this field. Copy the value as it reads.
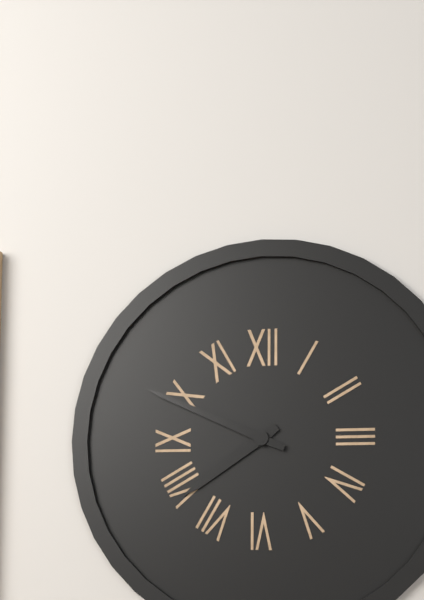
7:49
